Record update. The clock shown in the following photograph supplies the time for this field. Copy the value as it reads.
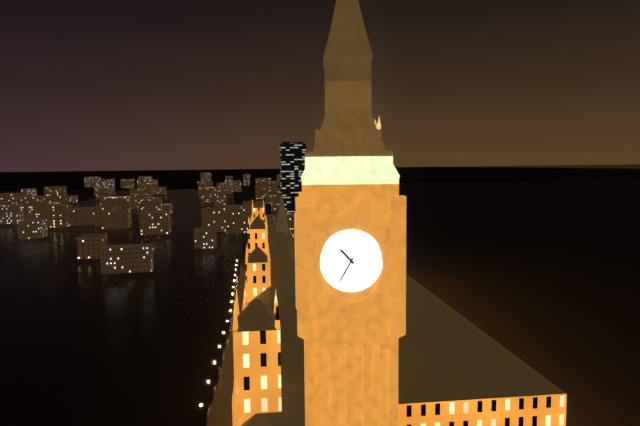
10:35
